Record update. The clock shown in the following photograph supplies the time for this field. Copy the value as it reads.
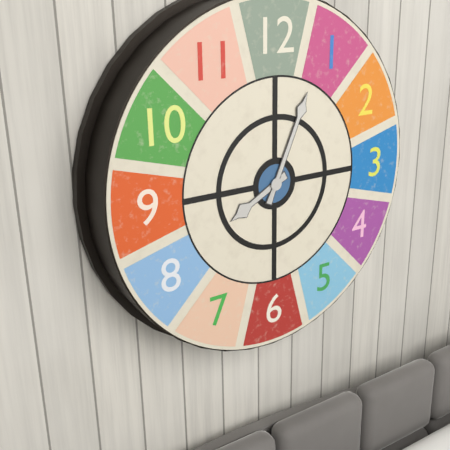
8:04
